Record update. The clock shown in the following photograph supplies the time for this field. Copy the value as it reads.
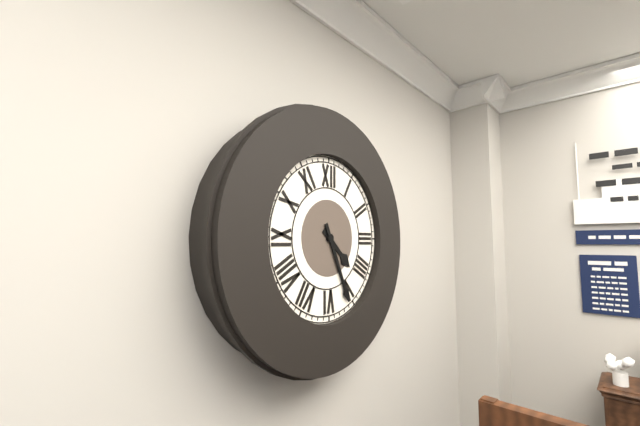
4:26
